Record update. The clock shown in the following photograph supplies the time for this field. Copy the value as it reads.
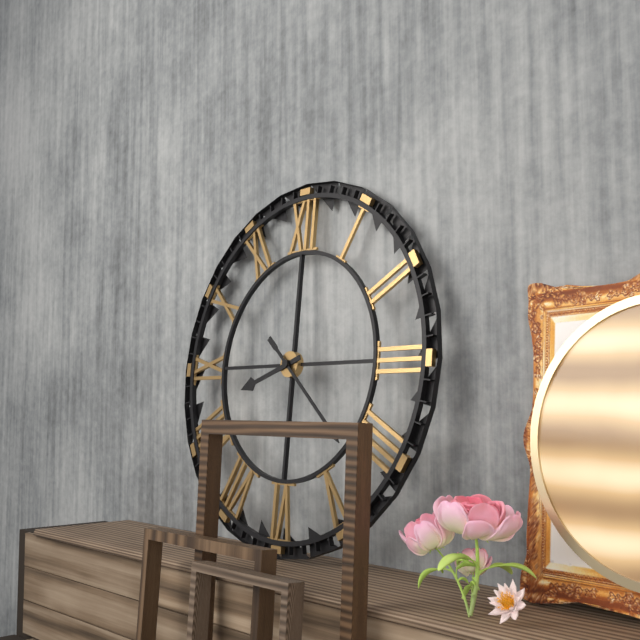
8:22
